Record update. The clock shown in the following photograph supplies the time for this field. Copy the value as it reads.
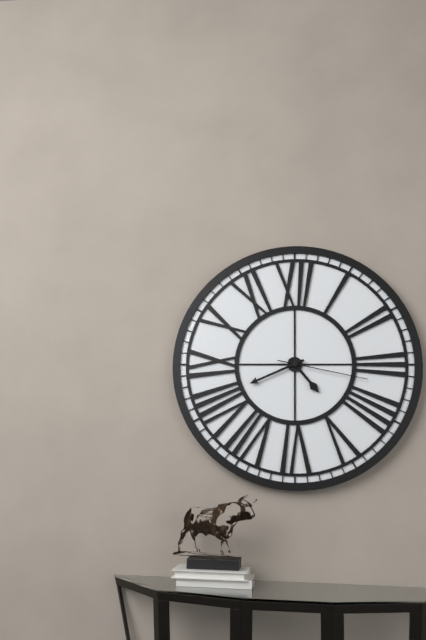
4:41:17
